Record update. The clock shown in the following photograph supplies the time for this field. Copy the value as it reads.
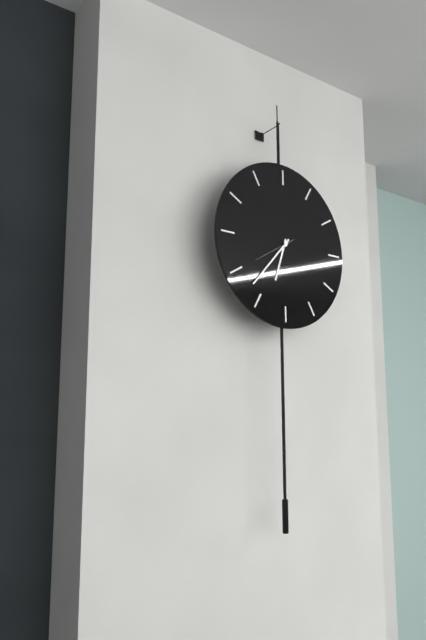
6:37
